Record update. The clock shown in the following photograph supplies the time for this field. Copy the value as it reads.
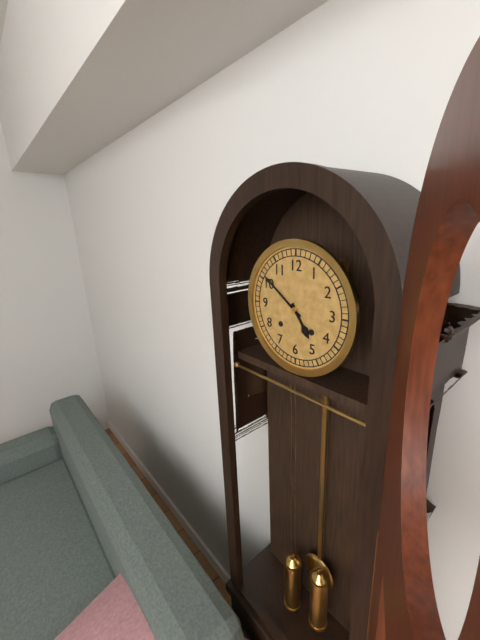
4:51
